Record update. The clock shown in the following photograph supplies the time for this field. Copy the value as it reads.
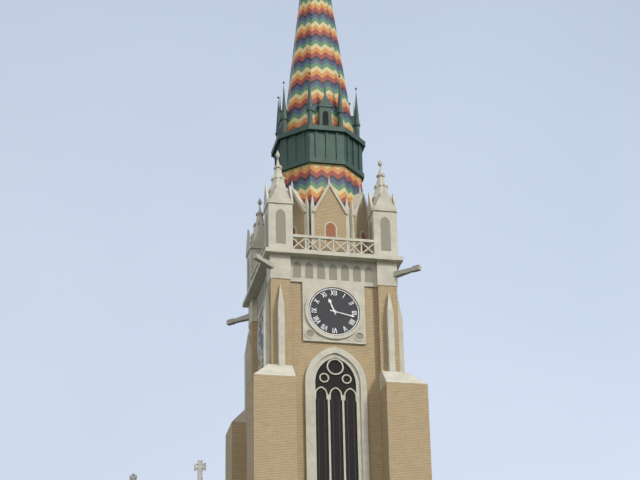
11:17
